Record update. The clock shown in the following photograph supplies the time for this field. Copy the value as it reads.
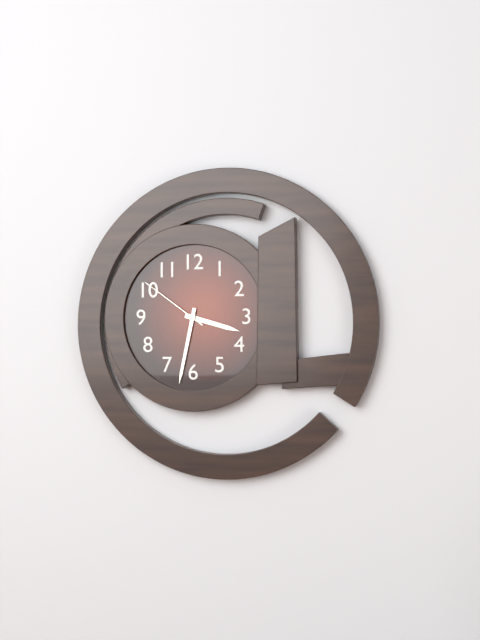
3:32:51
